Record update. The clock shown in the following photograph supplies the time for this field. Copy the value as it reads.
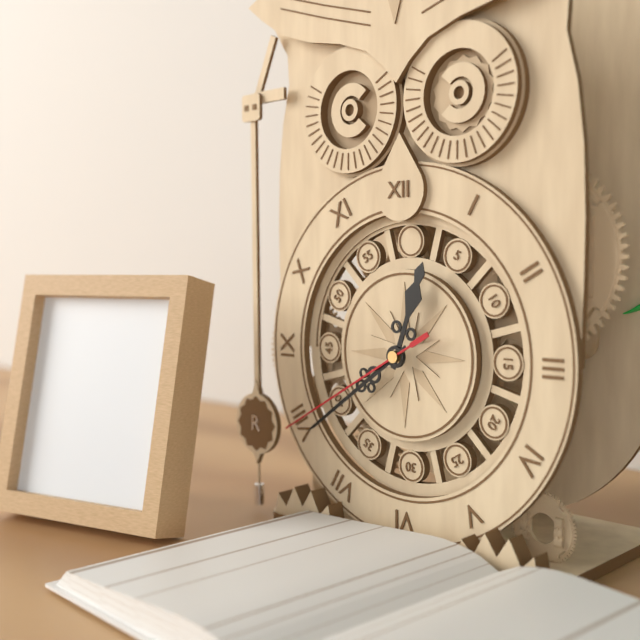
12:39:40
